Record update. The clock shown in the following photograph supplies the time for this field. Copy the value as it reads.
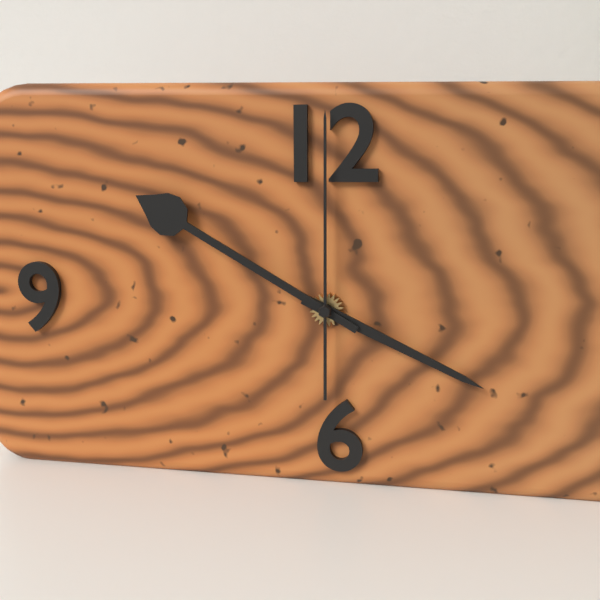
3:50:00
